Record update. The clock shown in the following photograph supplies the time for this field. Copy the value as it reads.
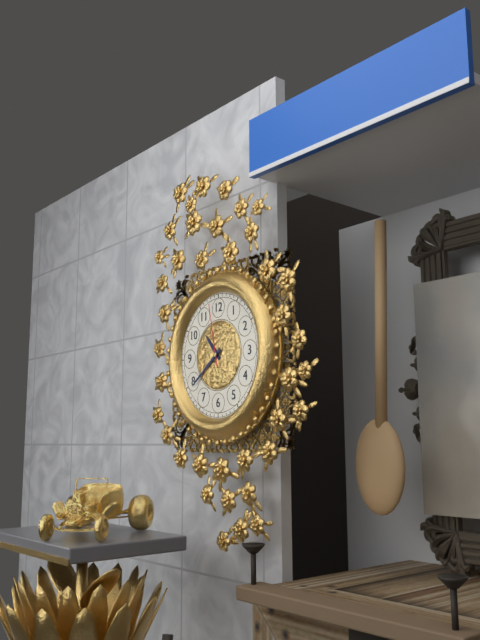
10:39:58
